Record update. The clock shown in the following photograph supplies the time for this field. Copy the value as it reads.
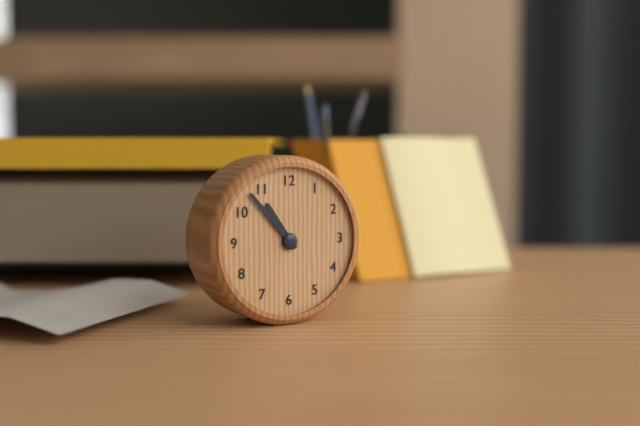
10:53
